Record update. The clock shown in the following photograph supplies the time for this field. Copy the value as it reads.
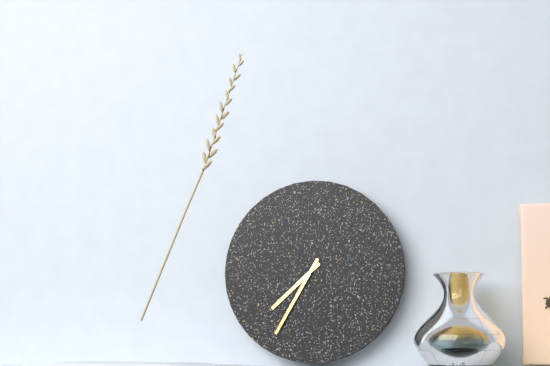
7:35
